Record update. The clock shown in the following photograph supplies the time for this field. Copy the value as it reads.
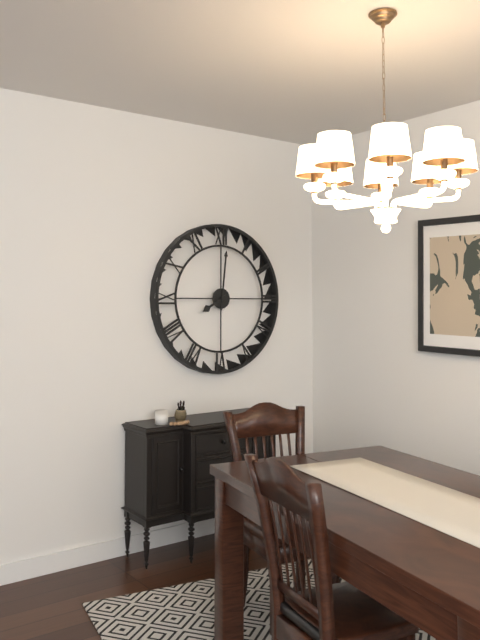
8:01
